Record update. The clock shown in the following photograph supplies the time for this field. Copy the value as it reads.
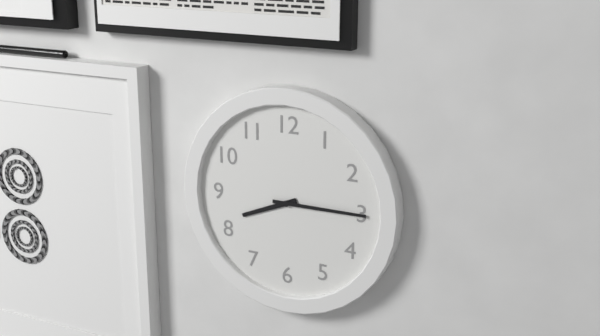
8:15
